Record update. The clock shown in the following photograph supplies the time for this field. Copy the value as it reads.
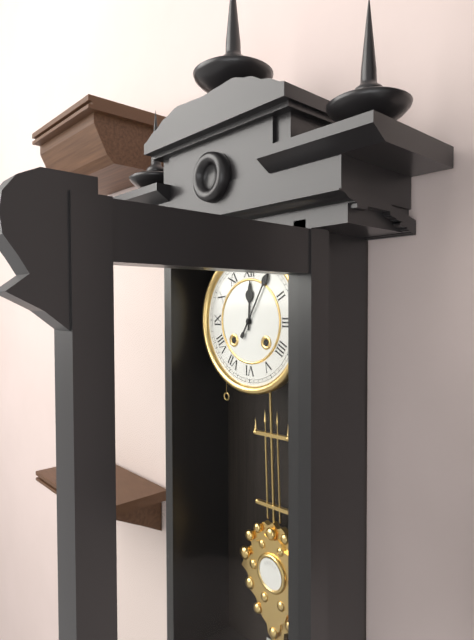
12:05
